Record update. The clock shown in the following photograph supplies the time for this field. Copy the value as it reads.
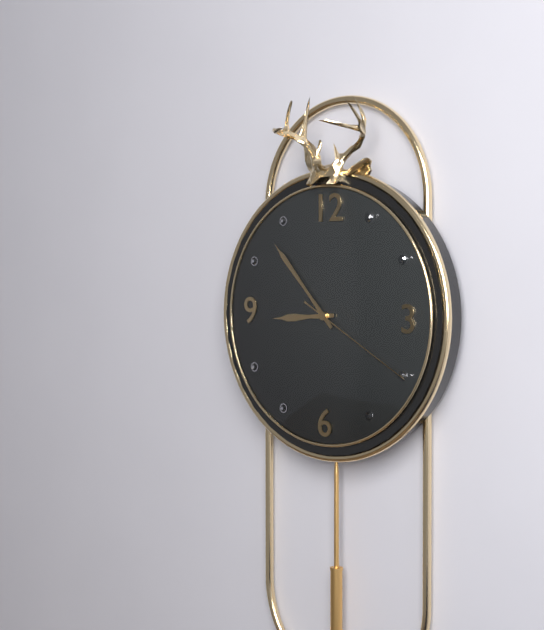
8:53:20
